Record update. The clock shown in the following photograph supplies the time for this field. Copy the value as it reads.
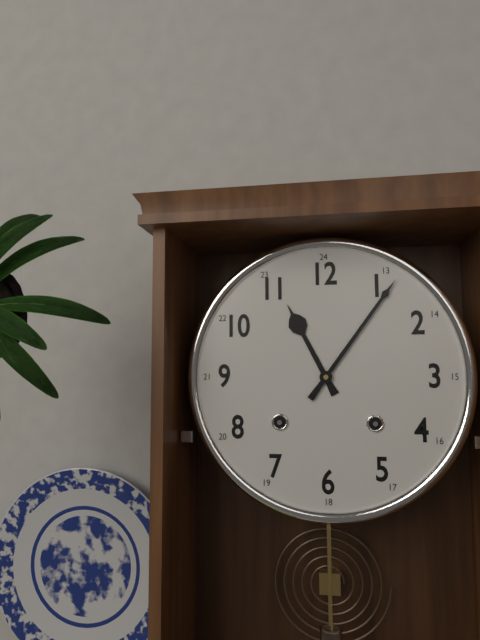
11:06
